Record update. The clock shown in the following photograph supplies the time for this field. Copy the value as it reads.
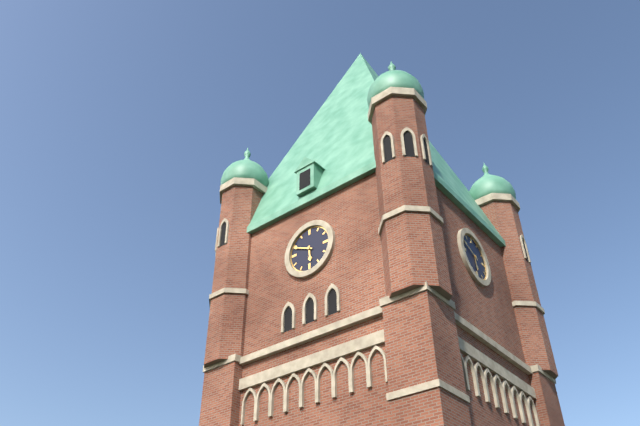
5:49
